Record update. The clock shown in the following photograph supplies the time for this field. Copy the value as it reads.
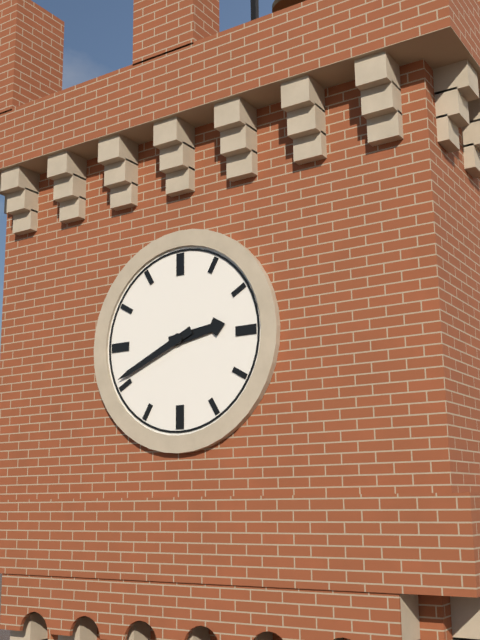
2:41
